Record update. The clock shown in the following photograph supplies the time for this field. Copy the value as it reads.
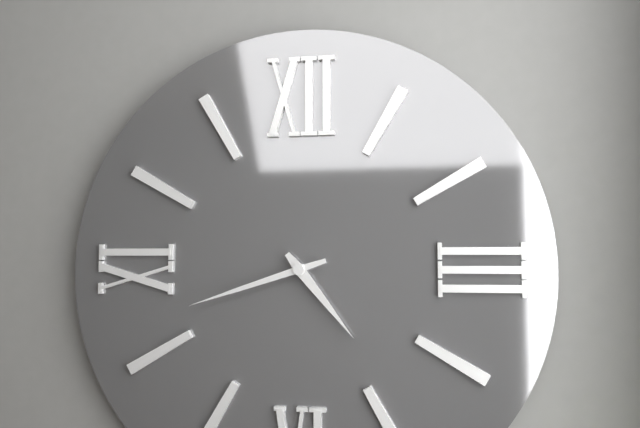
4:42
